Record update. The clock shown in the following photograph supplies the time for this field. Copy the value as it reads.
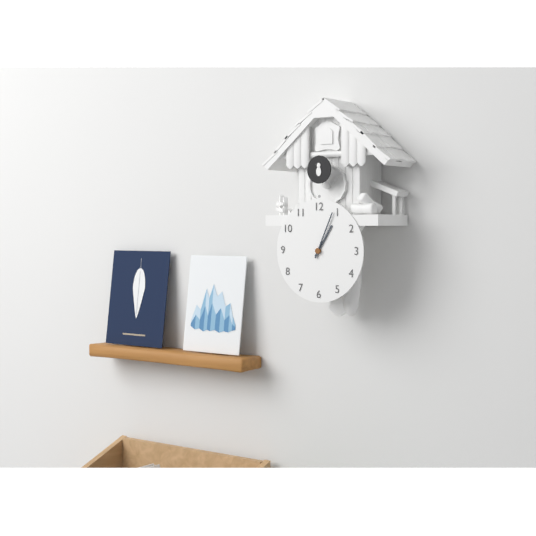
1:04
